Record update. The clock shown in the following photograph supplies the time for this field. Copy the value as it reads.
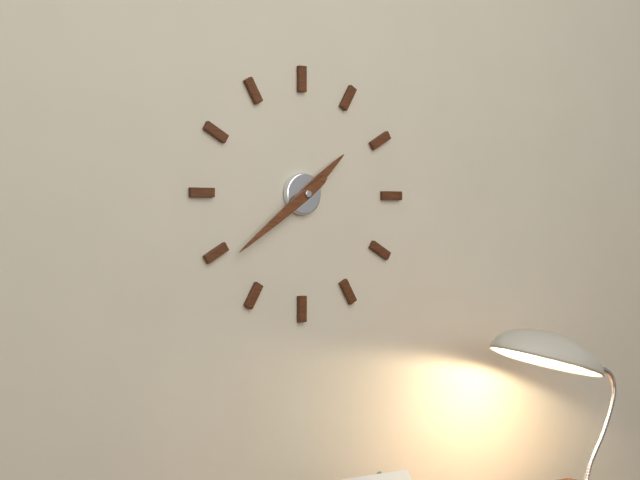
1:39
